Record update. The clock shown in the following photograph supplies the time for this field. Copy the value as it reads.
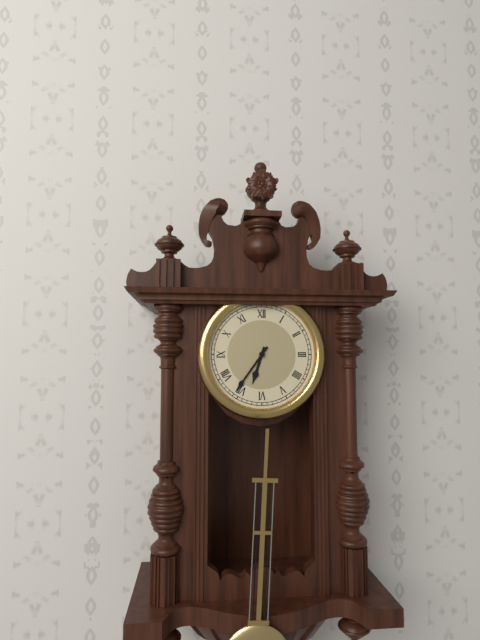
6:36
